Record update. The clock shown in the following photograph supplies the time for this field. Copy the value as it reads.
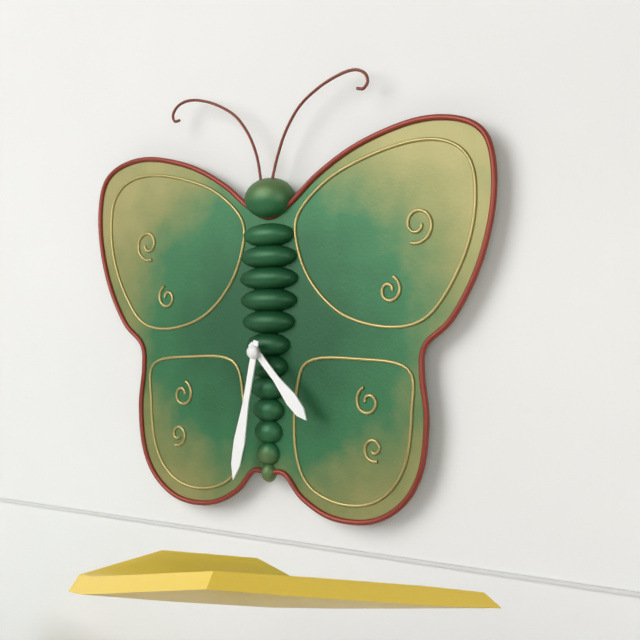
4:32
